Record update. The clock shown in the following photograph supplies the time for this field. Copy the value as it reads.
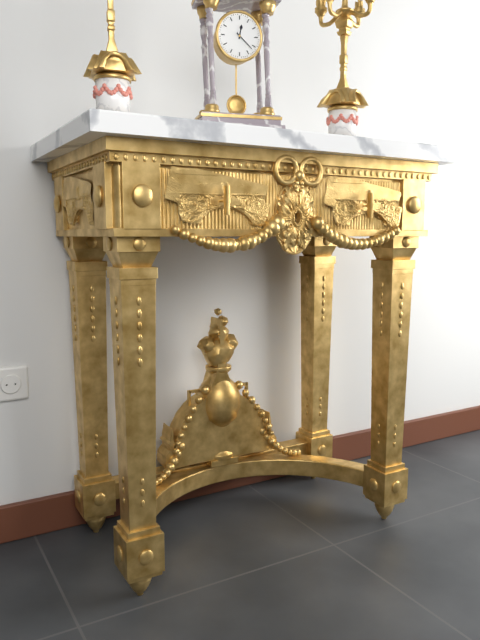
12:22
